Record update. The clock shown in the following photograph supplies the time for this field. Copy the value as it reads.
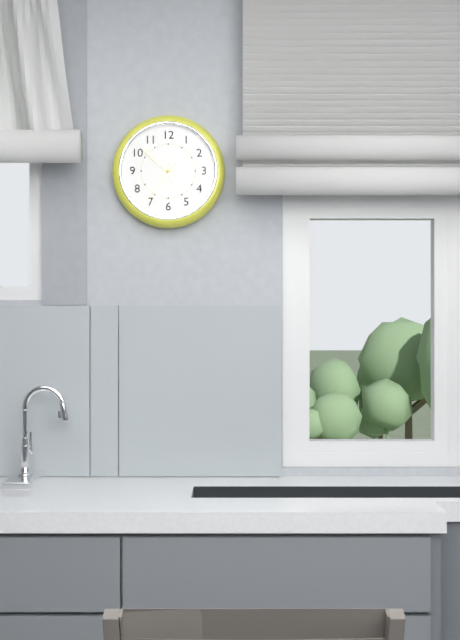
4:52
